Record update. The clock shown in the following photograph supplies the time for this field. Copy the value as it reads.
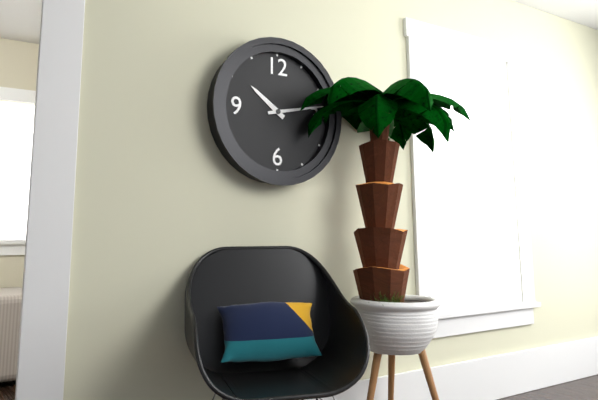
10:13
